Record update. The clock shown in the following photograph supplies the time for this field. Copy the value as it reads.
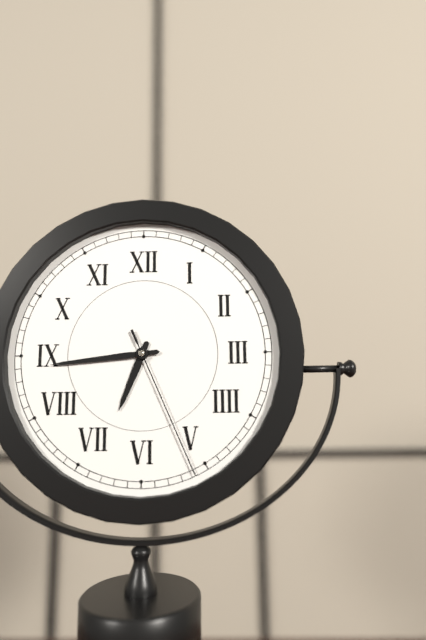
6:44:26
